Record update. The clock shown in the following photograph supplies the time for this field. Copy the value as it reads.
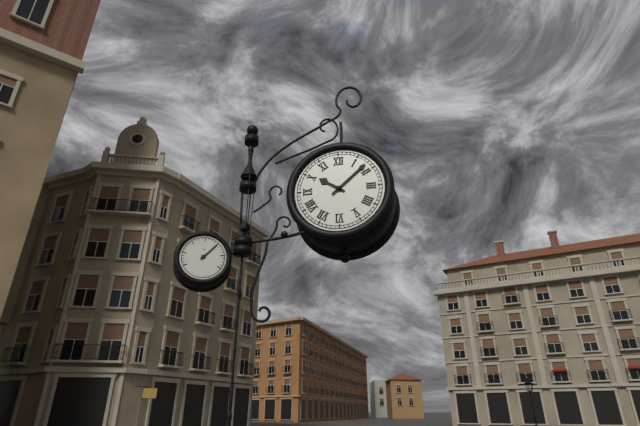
10:08
